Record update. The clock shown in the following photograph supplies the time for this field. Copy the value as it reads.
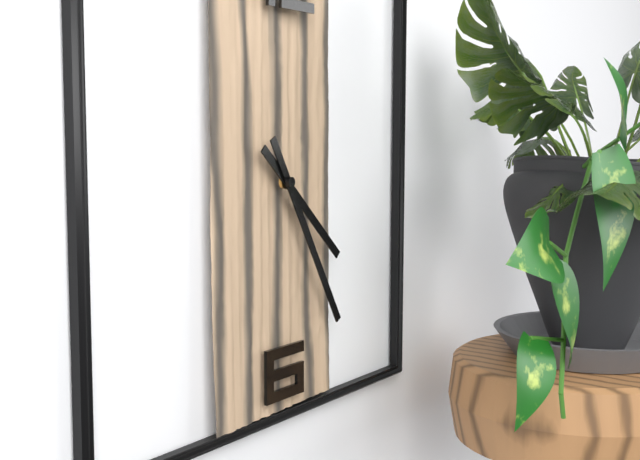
4:25
